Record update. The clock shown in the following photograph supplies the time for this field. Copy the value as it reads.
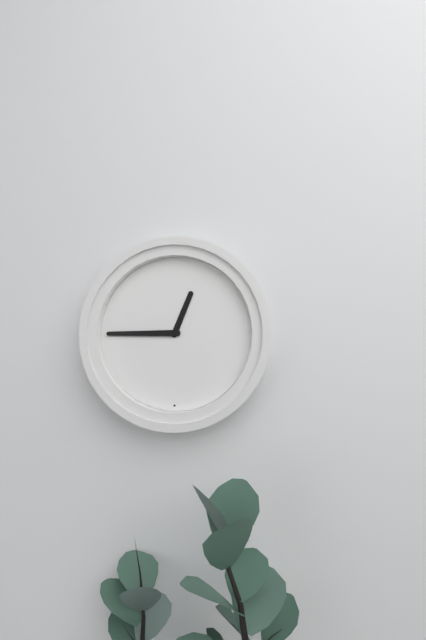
12:45
